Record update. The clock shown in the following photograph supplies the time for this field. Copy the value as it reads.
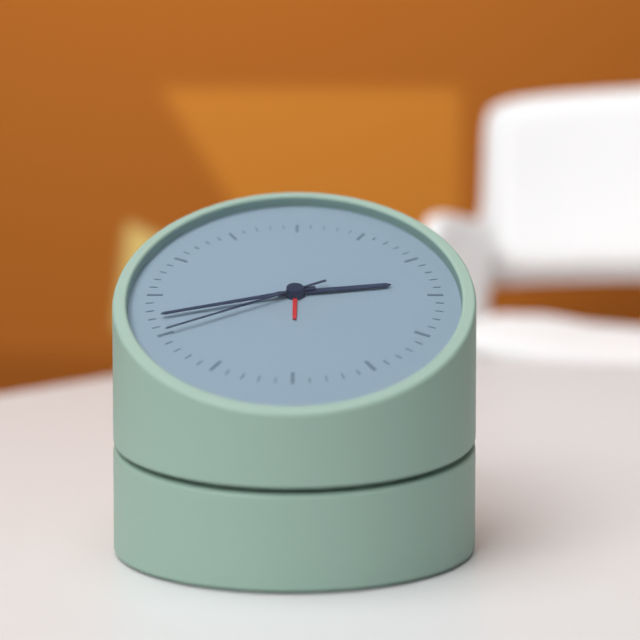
2:42:40
